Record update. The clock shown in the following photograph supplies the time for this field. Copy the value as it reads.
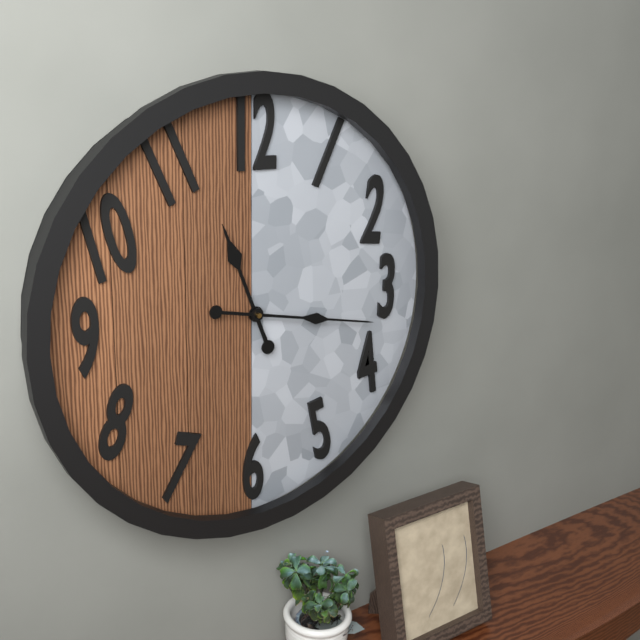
11:17
